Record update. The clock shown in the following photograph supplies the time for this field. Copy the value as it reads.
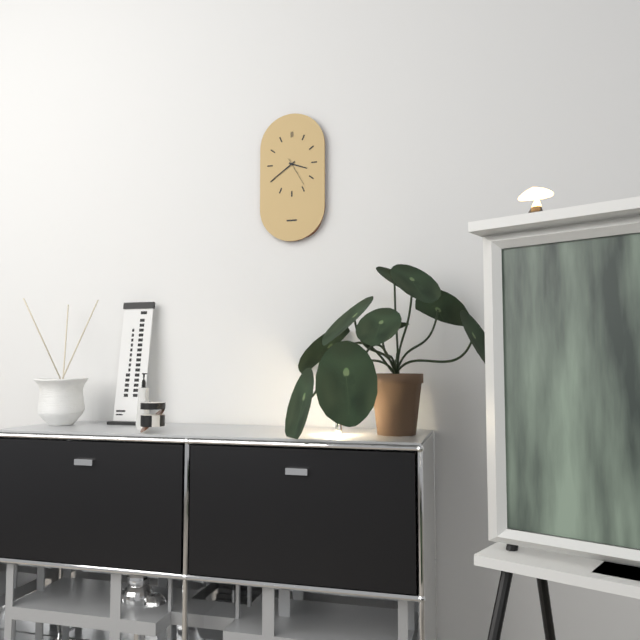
3:39
